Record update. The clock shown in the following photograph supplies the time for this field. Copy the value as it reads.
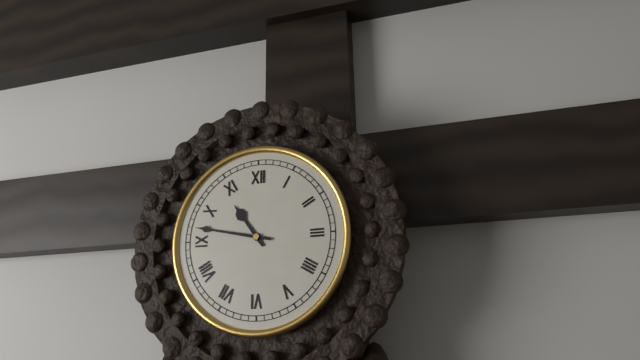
10:47
